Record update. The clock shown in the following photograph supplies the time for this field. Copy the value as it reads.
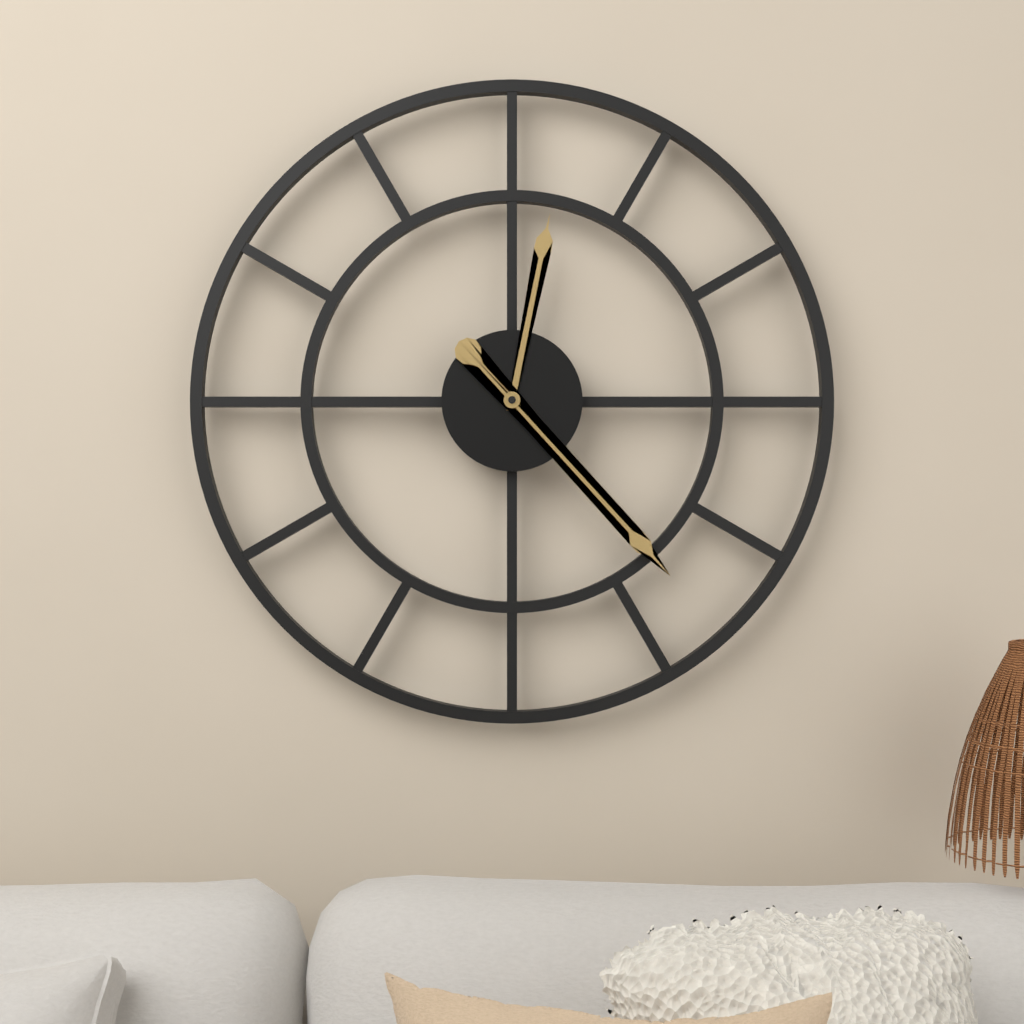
12:23
